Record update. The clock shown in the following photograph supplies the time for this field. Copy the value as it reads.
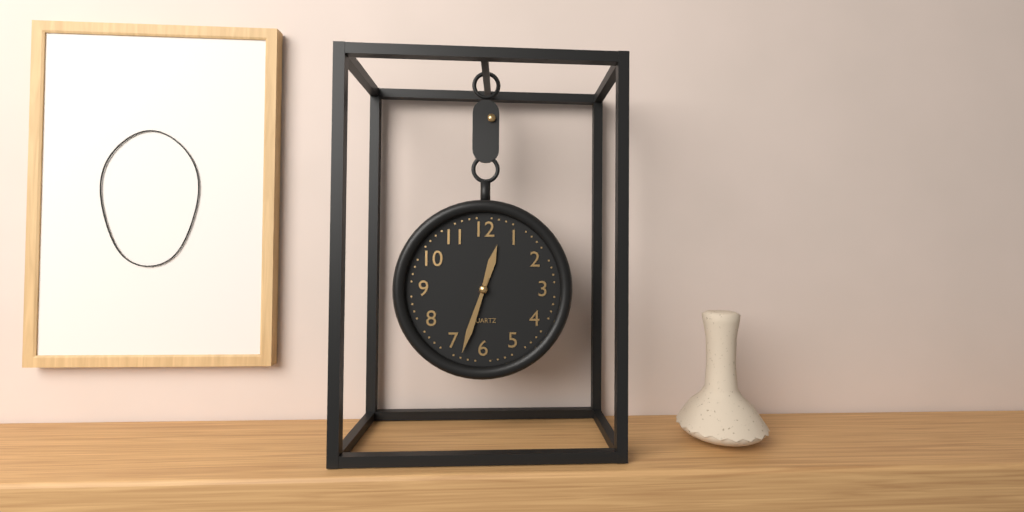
12:33
